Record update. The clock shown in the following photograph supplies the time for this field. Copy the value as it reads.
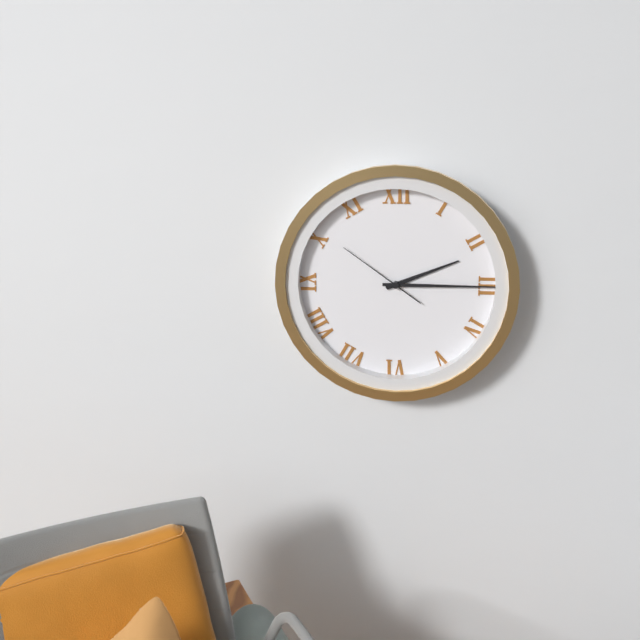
2:15:51
